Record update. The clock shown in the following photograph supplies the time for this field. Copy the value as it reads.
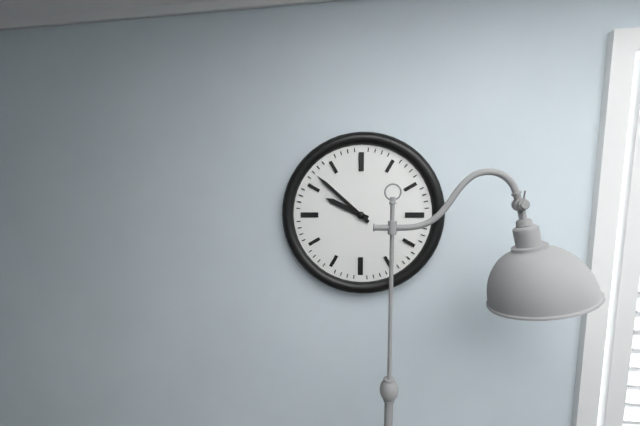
9:52
